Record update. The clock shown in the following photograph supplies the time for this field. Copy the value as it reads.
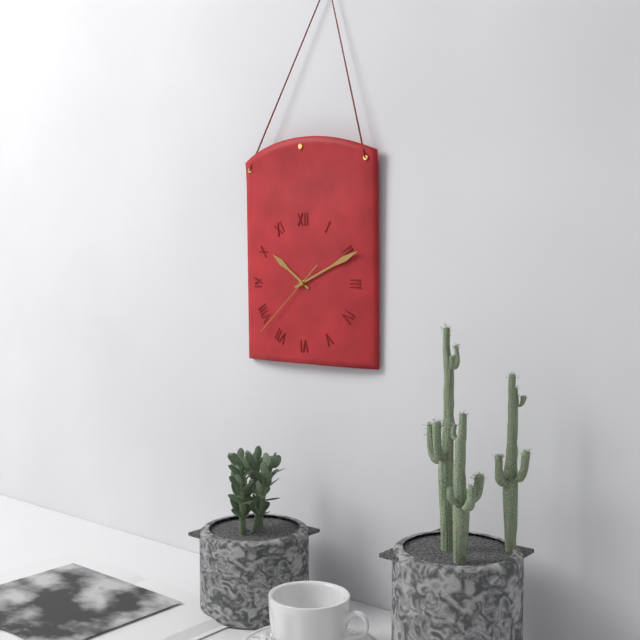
10:11:38
